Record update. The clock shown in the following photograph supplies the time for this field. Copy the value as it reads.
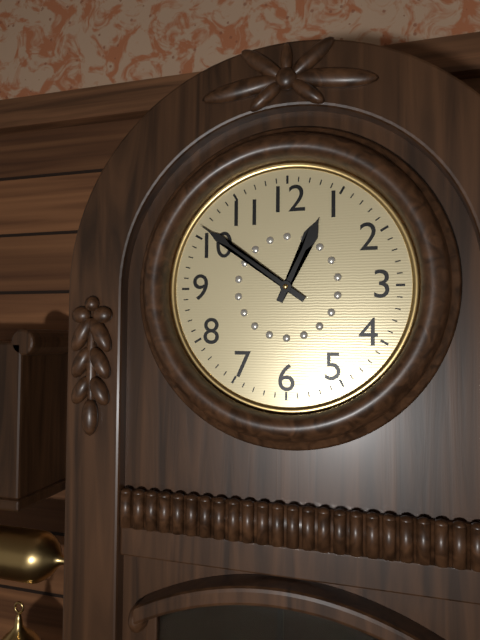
12:51
